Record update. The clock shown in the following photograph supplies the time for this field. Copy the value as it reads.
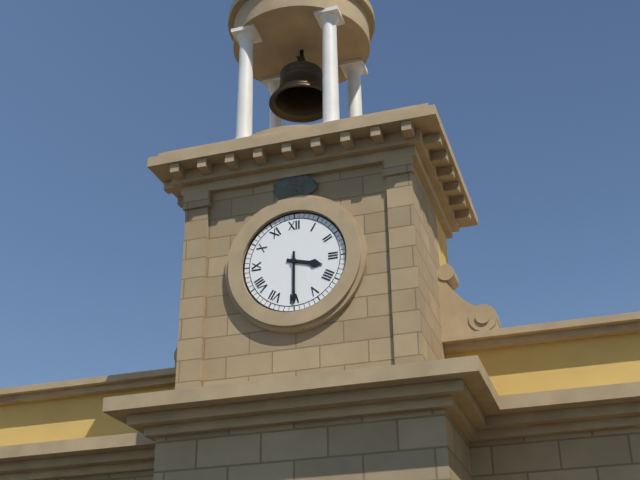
3:30
